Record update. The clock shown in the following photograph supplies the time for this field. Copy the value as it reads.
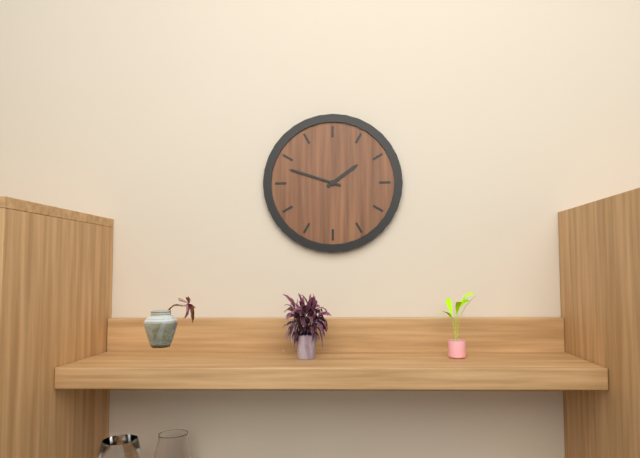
1:48
